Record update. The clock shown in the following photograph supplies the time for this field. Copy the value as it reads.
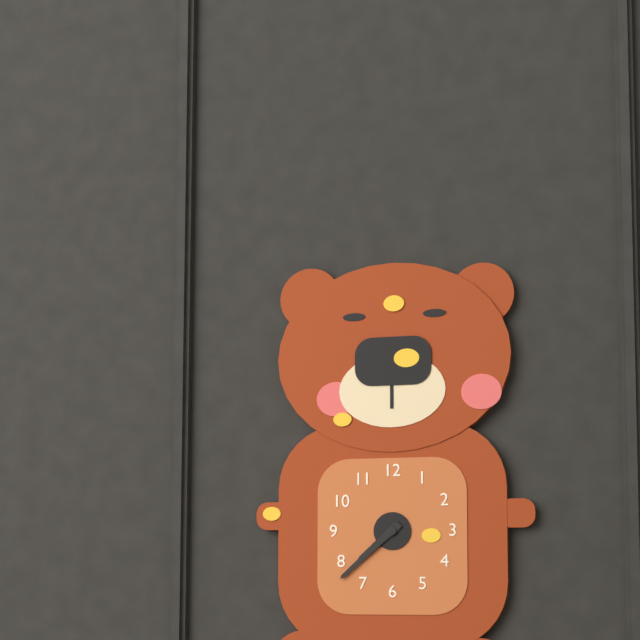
7:38
